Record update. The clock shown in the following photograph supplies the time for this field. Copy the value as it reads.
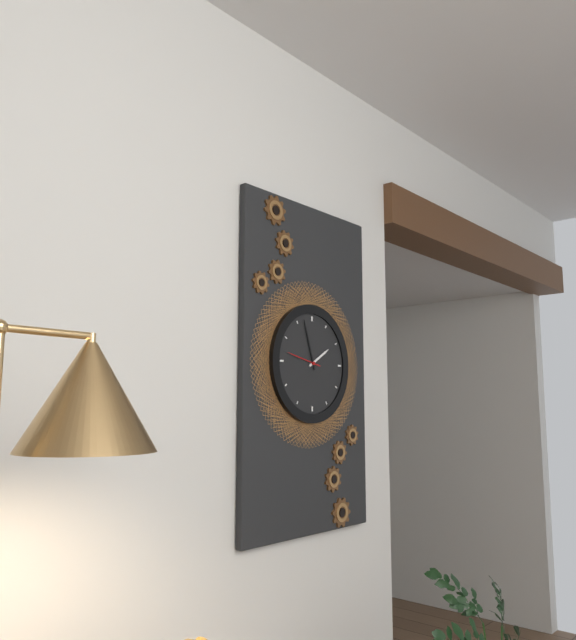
1:57
